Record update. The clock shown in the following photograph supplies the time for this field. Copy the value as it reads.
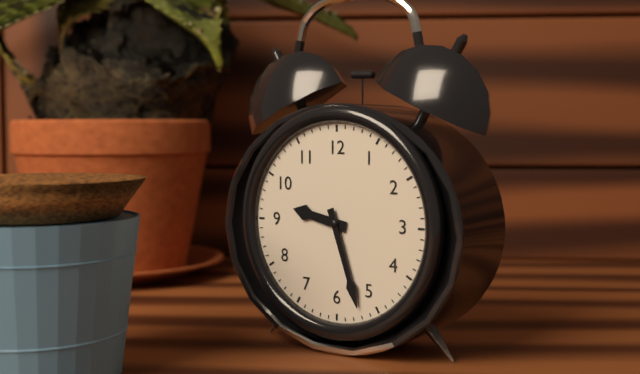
9:27
